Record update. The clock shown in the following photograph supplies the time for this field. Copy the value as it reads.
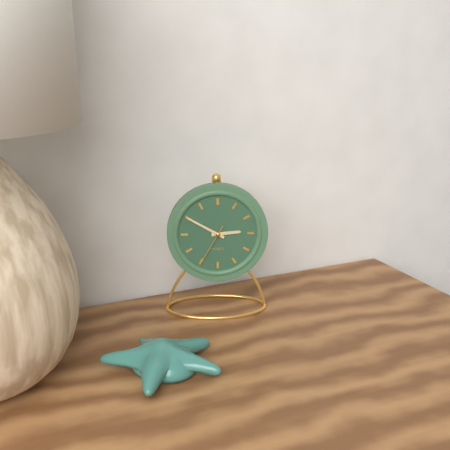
2:50
